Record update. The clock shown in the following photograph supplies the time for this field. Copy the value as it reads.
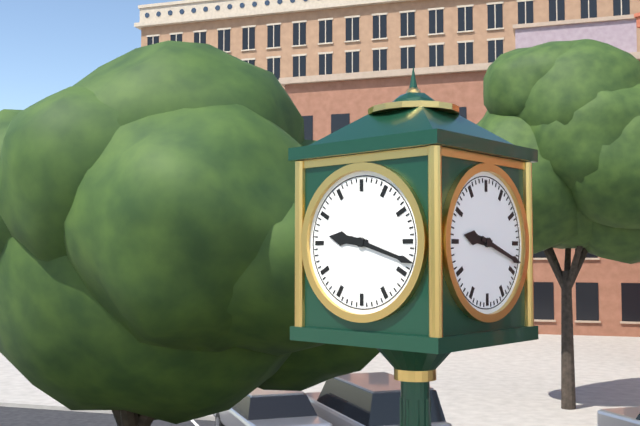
9:18
